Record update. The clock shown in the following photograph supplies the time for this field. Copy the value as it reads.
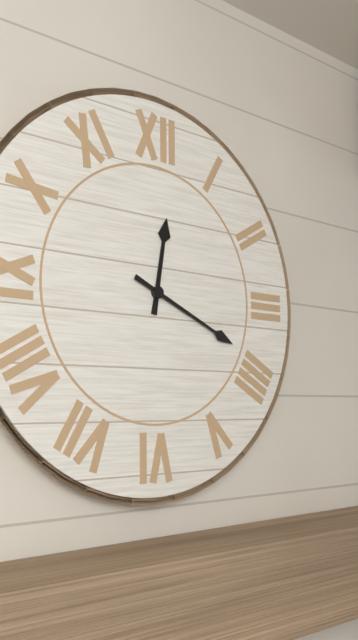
12:19
